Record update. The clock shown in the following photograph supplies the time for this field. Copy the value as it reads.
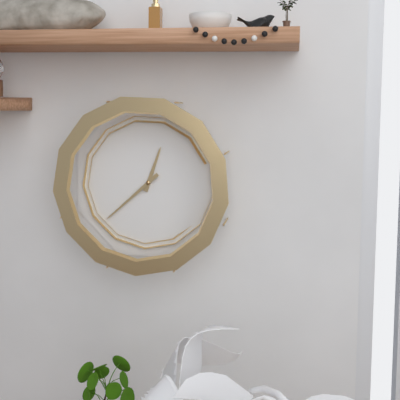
12:38
